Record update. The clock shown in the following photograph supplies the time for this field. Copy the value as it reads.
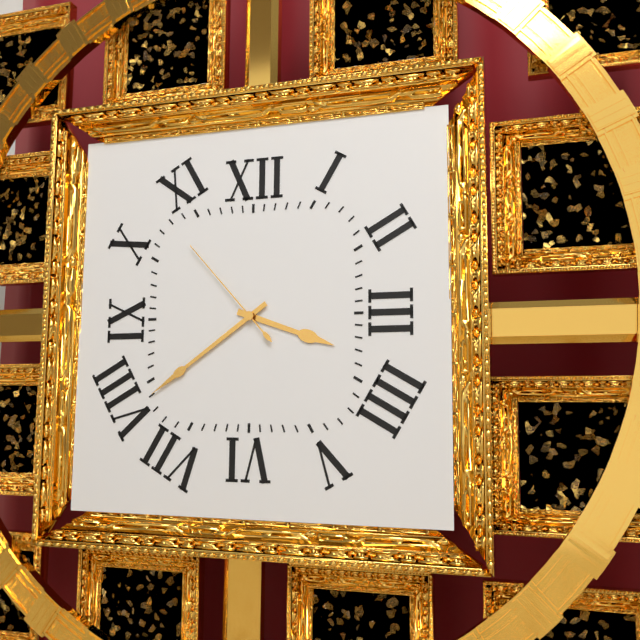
3:39:53
